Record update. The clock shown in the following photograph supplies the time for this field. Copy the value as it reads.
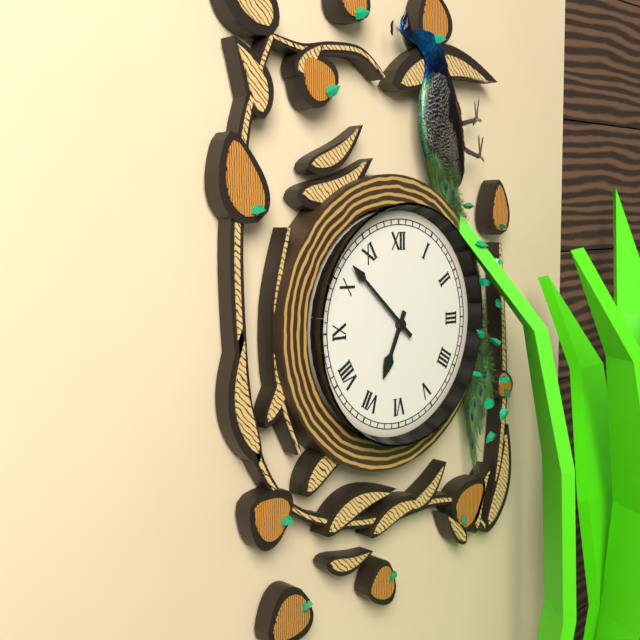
6:52
